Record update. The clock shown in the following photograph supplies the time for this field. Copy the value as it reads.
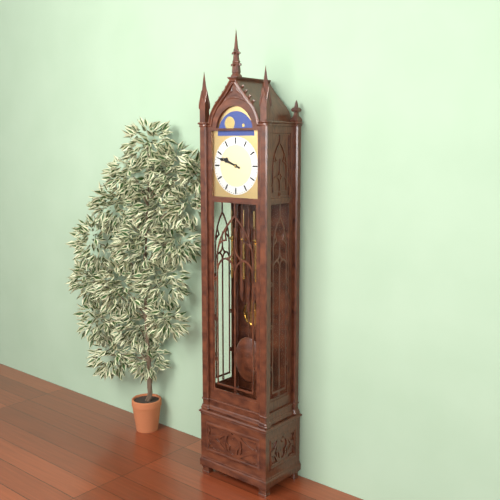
9:48
